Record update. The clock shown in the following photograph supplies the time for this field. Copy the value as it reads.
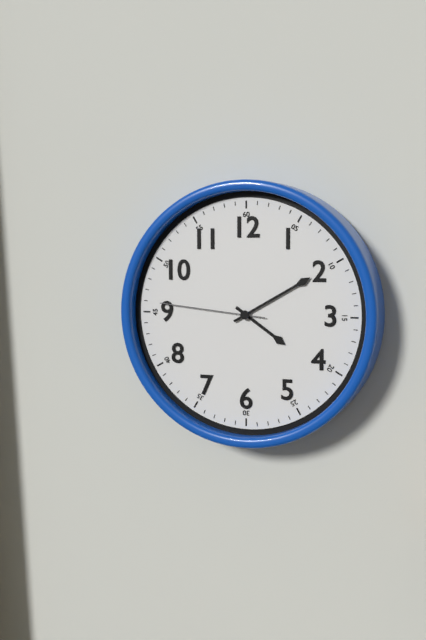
4:10:46
